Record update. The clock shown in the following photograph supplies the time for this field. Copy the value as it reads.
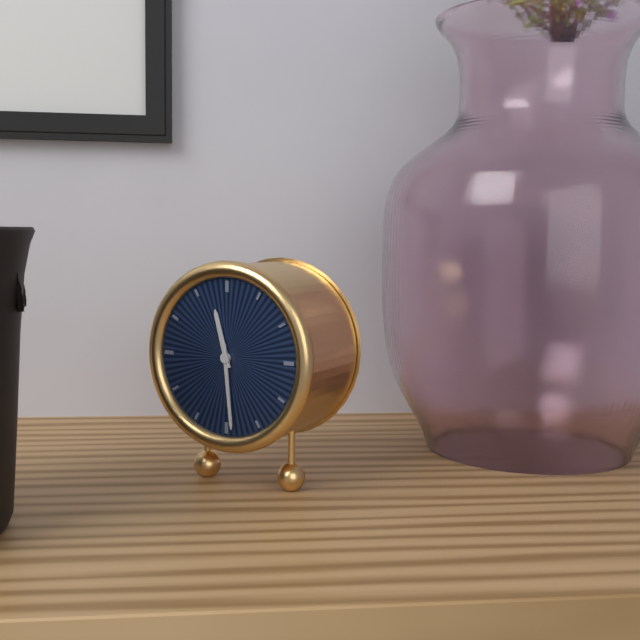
11:29
